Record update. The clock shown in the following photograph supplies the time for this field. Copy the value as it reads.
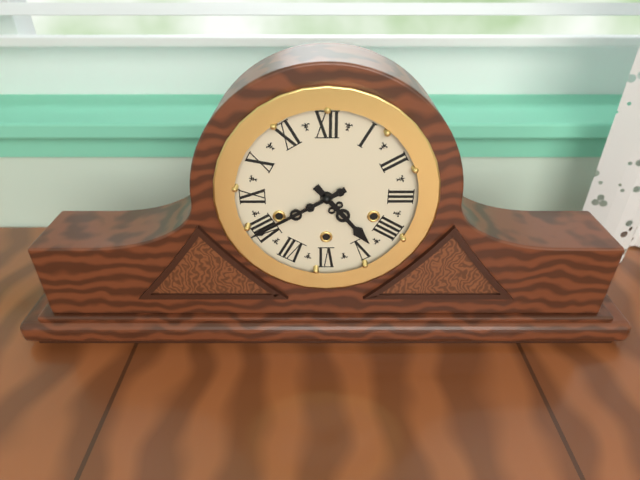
4:40
